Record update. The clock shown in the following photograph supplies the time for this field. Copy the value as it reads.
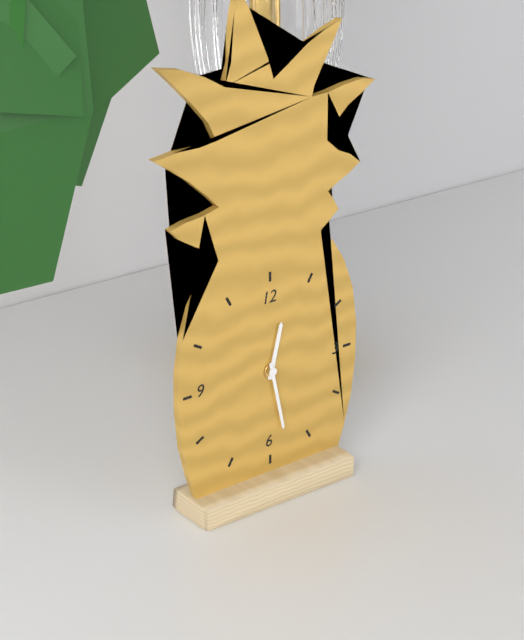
12:28
